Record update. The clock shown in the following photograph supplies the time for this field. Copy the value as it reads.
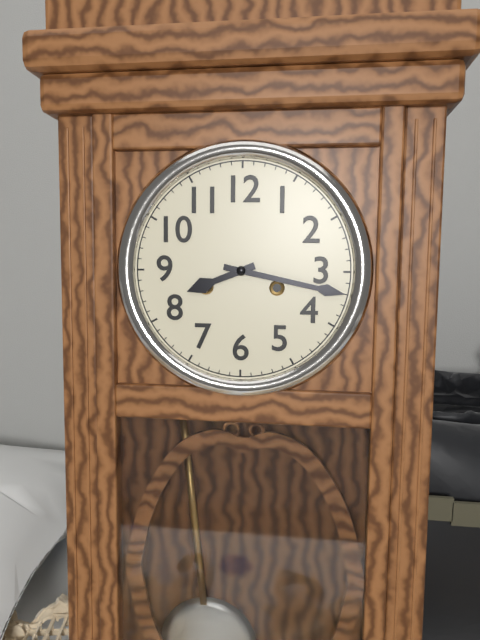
8:17
